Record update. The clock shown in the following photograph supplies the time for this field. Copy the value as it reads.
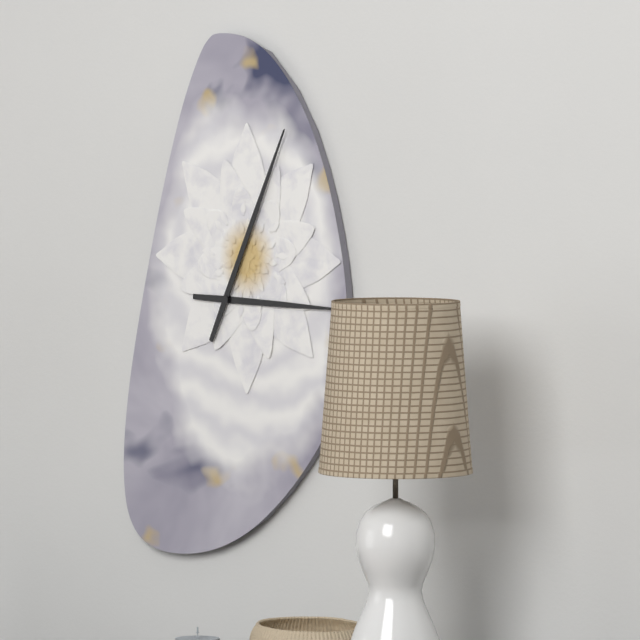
3:04
